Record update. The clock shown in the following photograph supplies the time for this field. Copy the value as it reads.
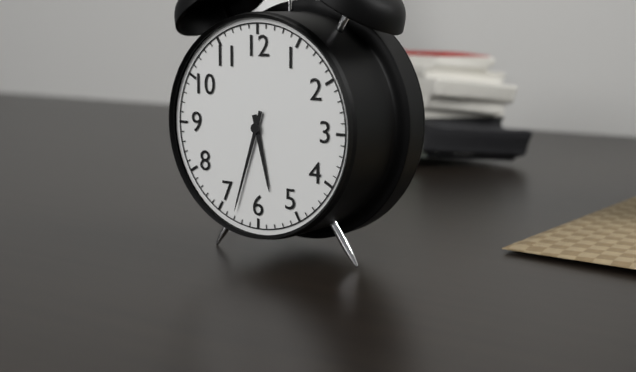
5:33
